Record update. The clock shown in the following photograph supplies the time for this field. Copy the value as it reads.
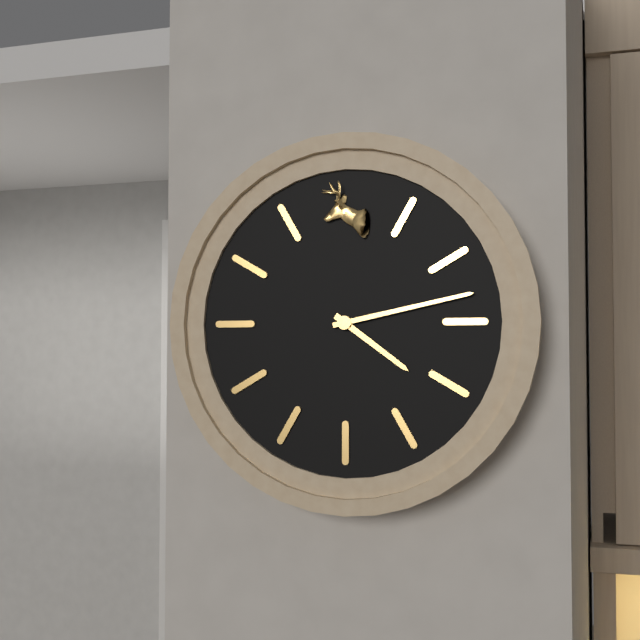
4:13
